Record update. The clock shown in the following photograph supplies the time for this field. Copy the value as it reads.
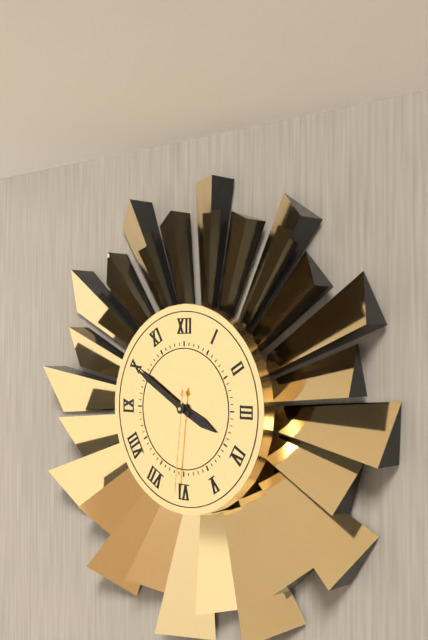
3:50:31
